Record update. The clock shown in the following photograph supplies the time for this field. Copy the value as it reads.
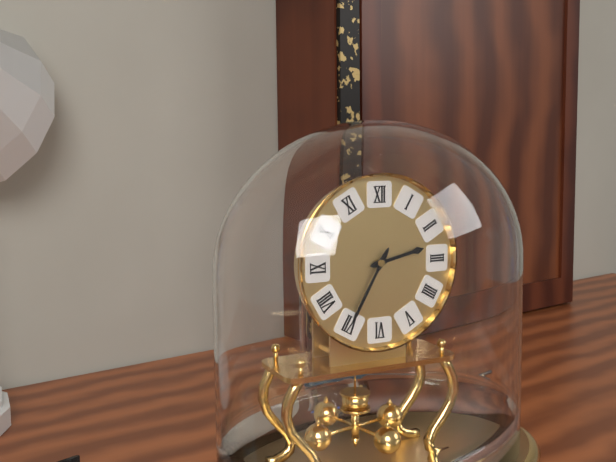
2:35
